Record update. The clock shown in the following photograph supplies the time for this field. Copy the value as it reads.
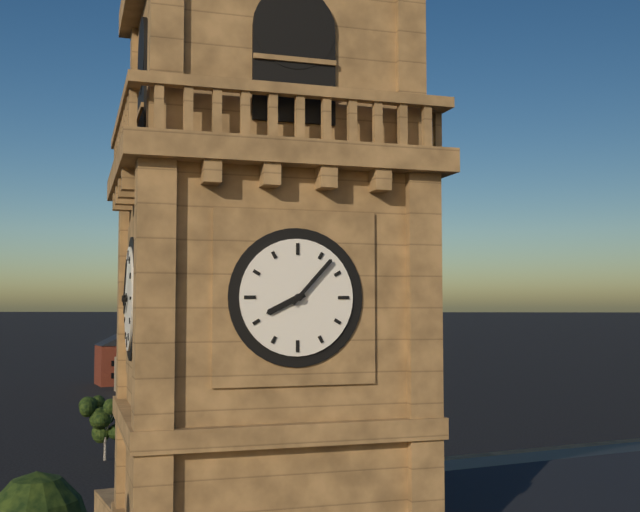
8:07
